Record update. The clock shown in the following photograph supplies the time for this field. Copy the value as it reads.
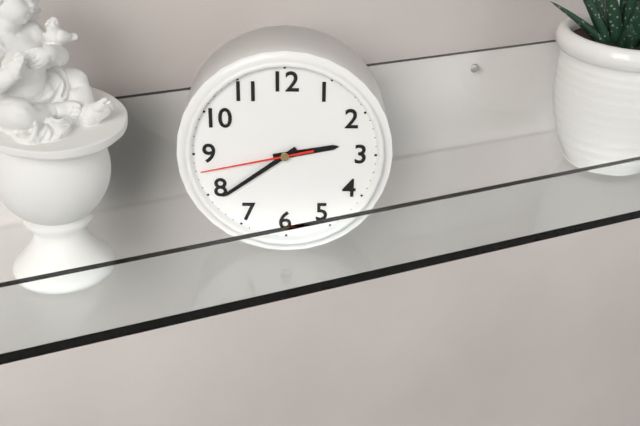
2:39:43
